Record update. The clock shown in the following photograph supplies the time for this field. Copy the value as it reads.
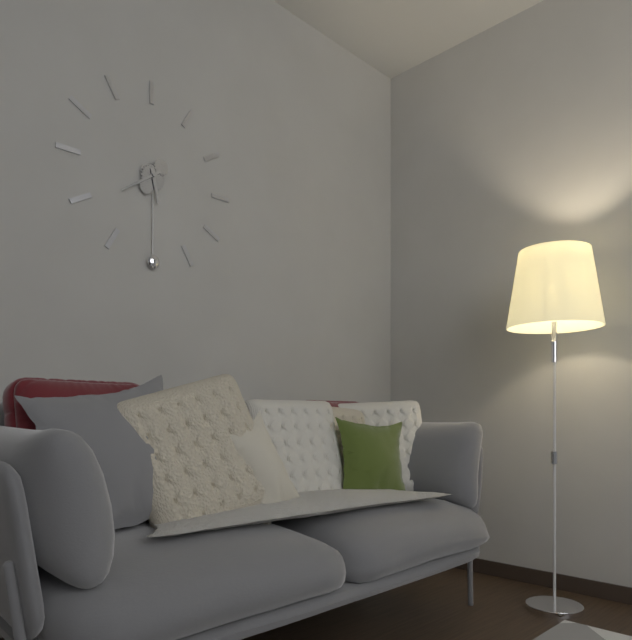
5:39
